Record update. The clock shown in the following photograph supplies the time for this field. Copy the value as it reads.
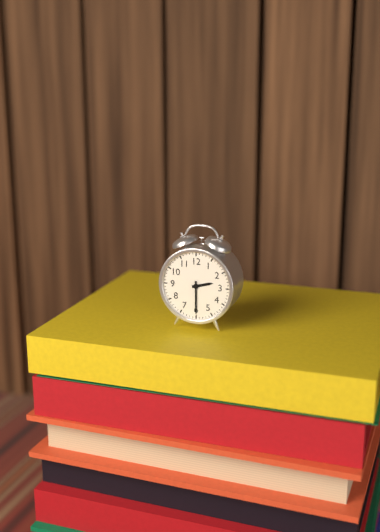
2:30
